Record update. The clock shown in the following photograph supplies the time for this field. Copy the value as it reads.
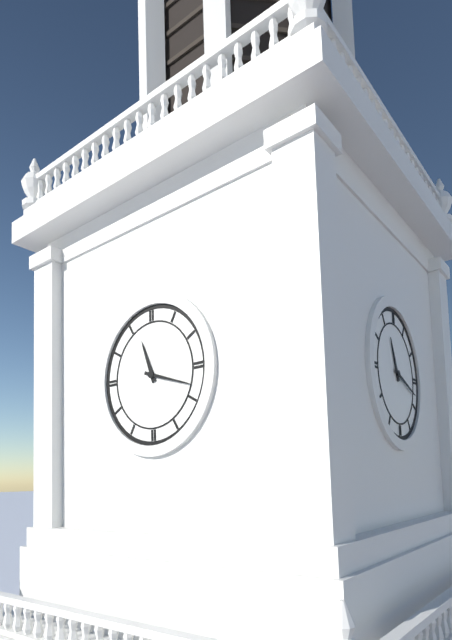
11:18
